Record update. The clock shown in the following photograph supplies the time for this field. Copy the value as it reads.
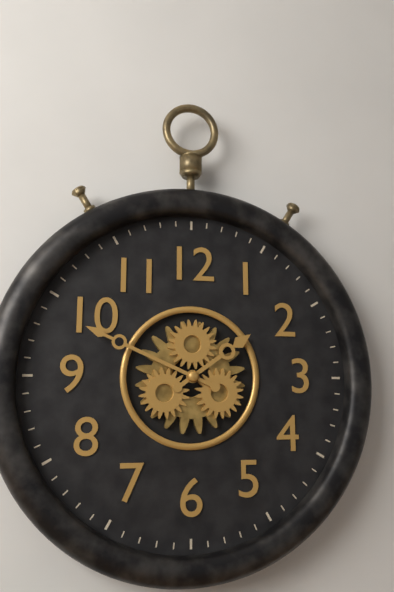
1:49
